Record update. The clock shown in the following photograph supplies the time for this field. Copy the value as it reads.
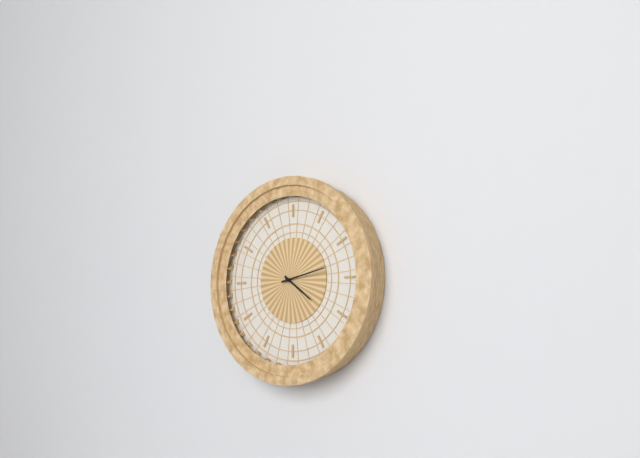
4:13
